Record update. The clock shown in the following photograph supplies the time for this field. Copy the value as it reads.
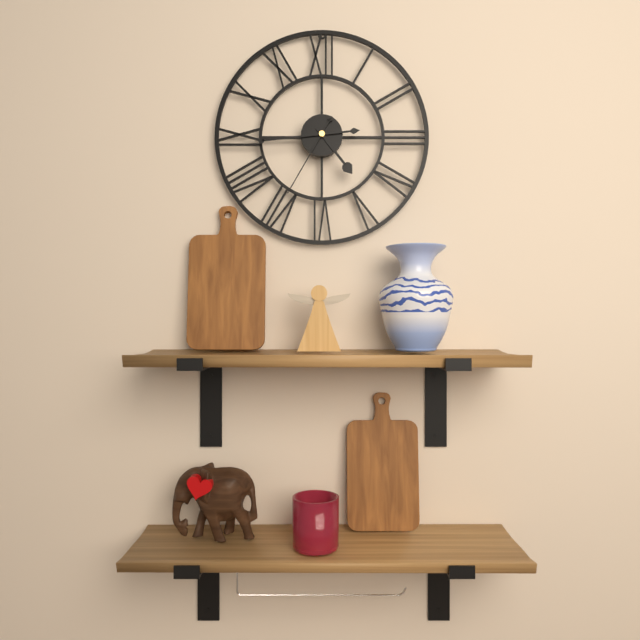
4:44:35
